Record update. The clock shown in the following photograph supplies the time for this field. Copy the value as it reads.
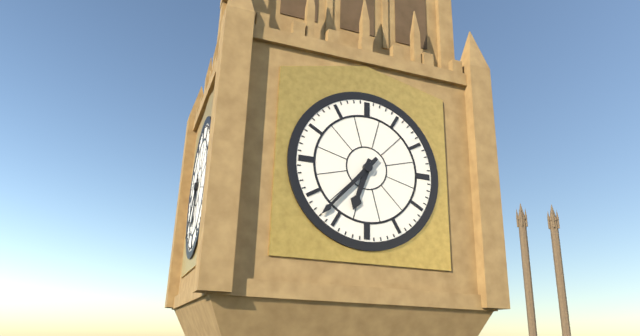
6:37
